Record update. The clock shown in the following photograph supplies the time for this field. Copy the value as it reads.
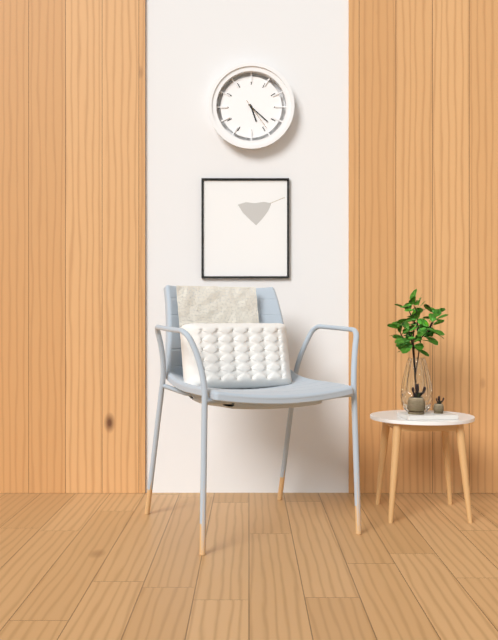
5:22
